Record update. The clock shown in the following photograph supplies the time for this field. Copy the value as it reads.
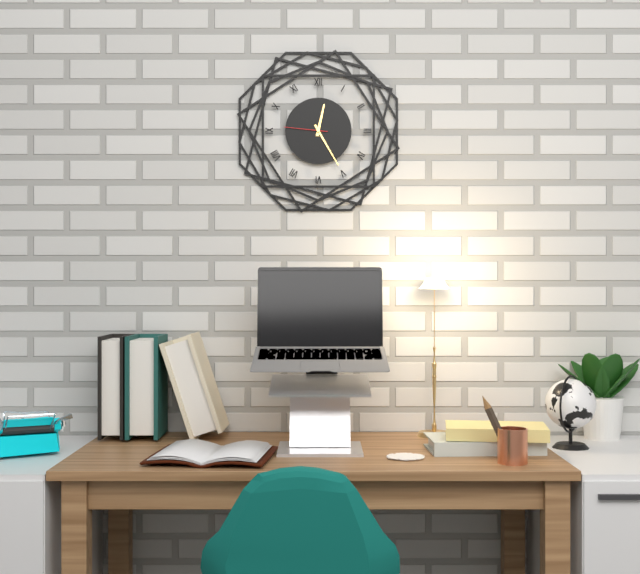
12:25
